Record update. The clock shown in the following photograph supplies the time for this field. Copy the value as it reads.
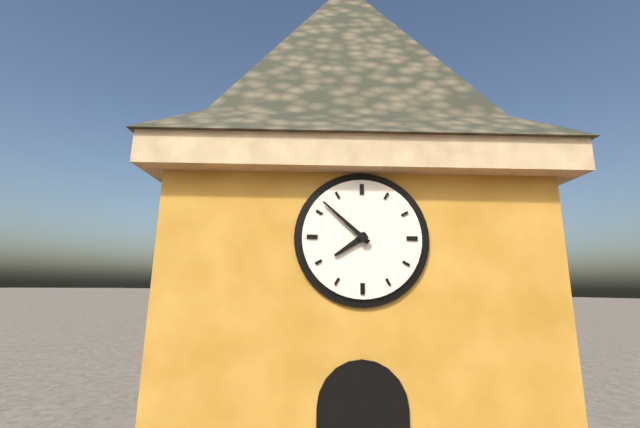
7:52
